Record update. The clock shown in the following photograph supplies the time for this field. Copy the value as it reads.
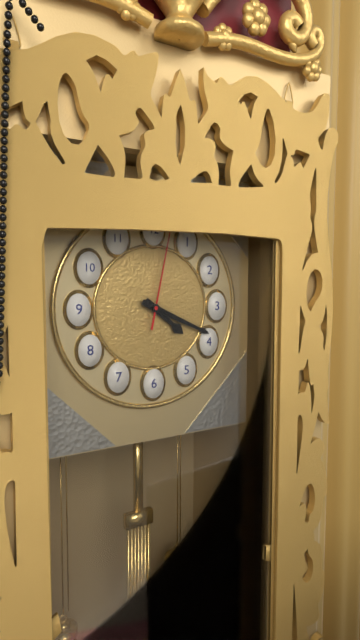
4:19:02
